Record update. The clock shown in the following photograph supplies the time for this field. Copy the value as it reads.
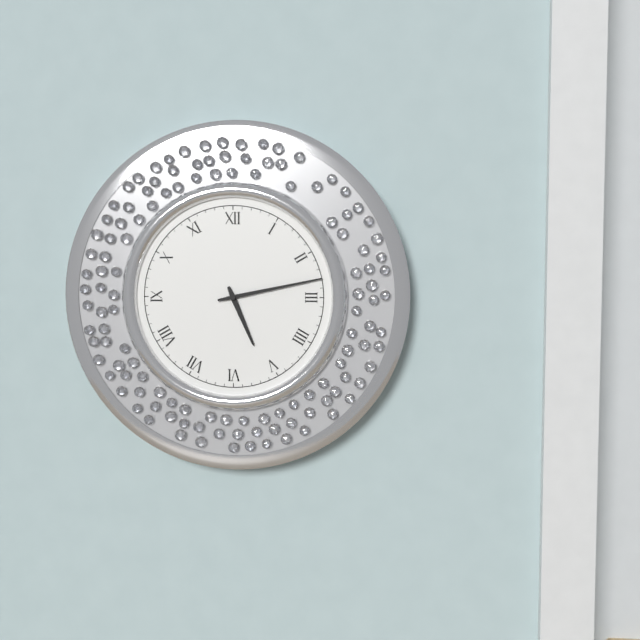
5:13
